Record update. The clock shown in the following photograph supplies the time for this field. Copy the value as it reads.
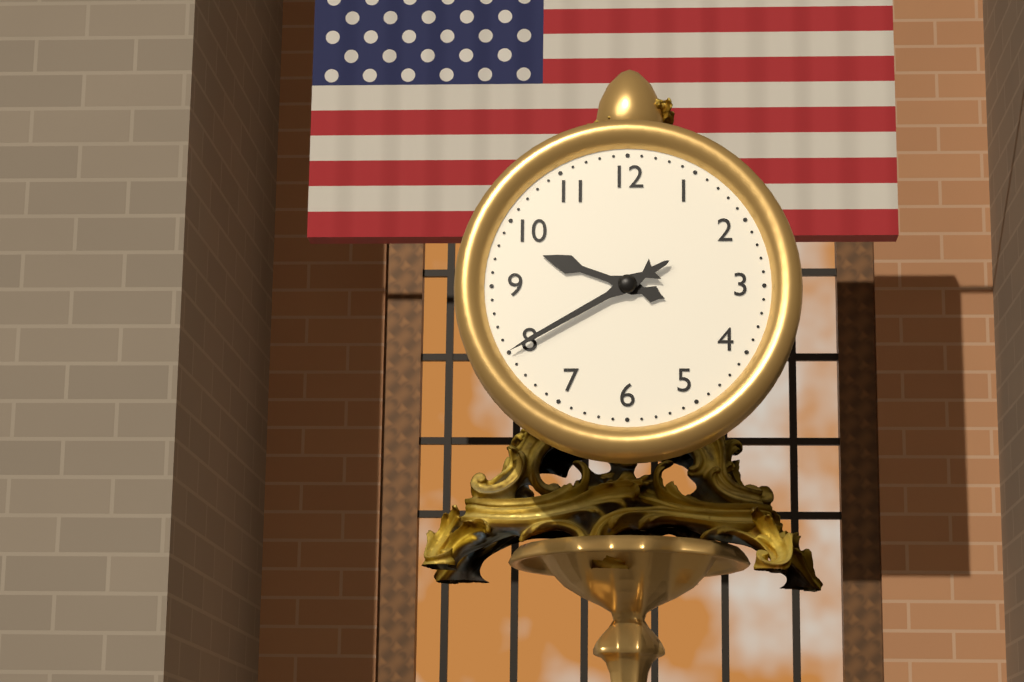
9:40
